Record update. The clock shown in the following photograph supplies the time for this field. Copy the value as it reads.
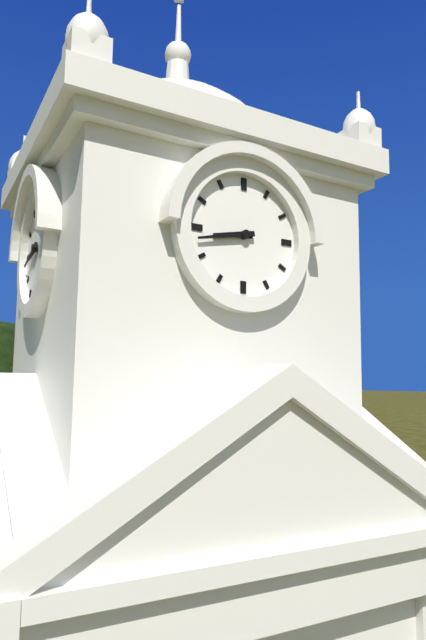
8:43
